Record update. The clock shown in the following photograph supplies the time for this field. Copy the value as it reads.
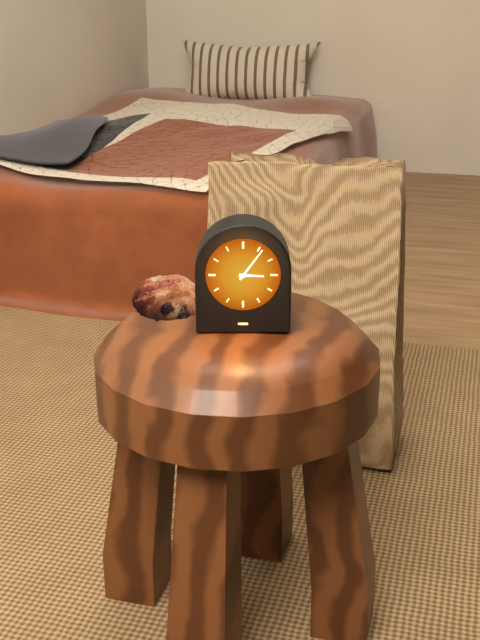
3:06
